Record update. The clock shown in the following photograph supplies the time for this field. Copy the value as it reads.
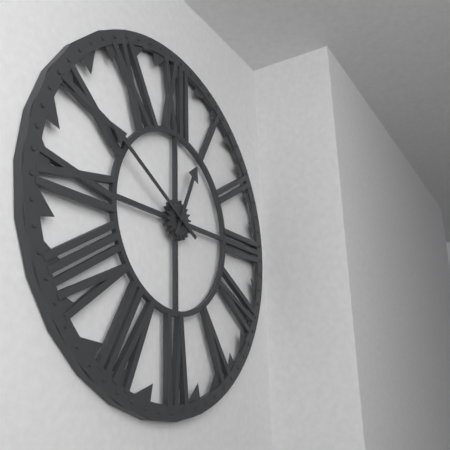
12:50
